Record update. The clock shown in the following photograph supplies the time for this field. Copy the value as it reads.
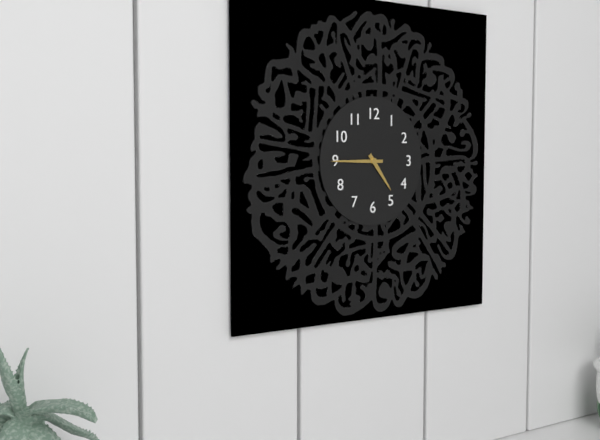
4:45
